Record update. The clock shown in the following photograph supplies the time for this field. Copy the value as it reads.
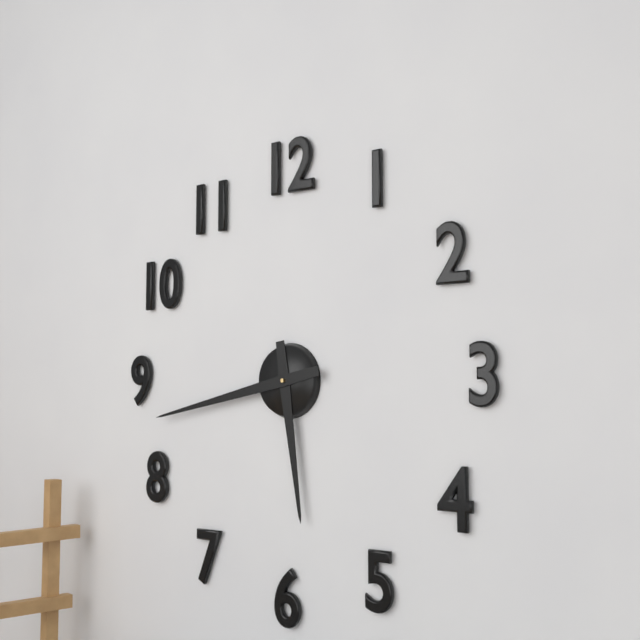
5:43
